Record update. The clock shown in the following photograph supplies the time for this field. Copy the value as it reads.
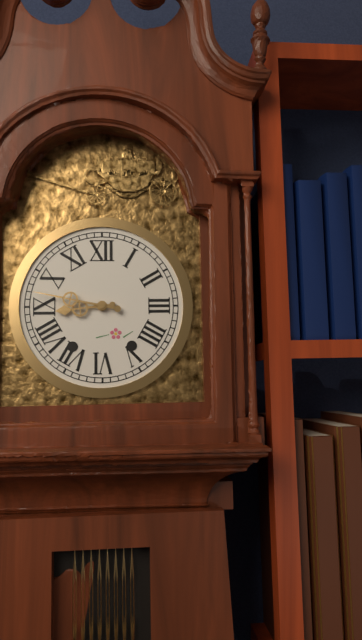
8:47
